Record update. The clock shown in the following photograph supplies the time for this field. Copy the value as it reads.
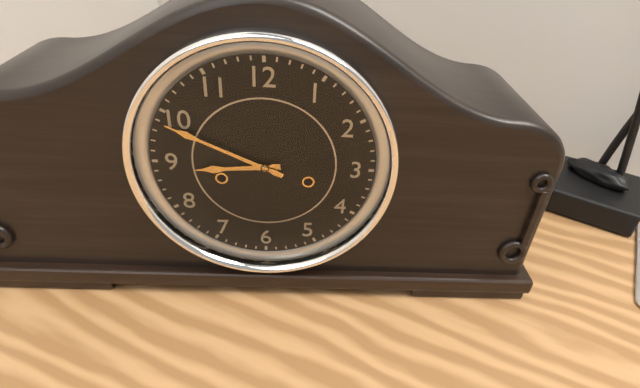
8:49
